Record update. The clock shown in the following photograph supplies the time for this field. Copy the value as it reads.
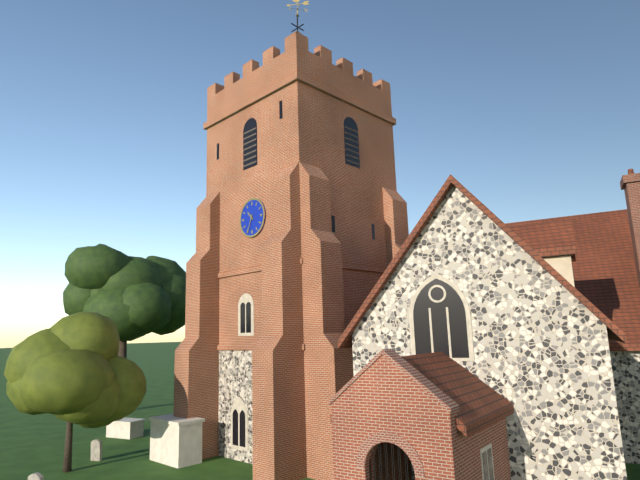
10:34
